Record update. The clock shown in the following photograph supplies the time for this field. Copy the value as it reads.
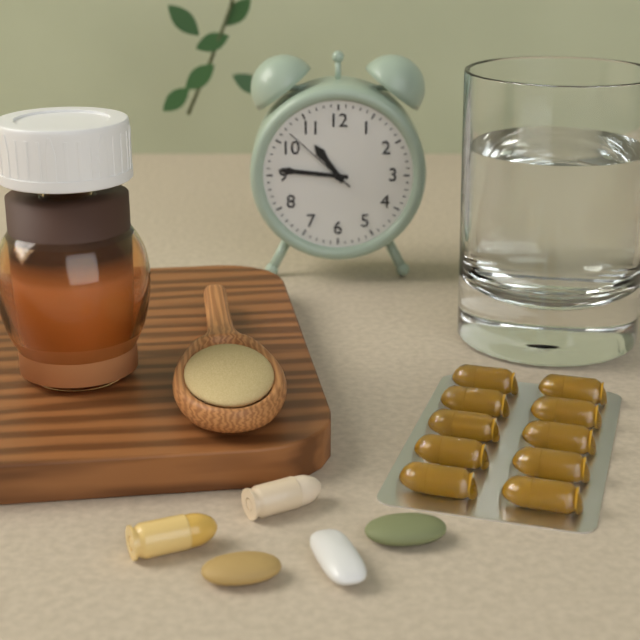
10:46:52
